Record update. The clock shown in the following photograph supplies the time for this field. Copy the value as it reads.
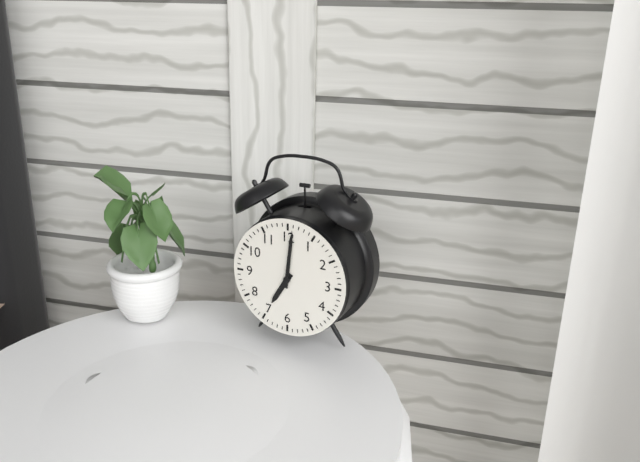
7:01
